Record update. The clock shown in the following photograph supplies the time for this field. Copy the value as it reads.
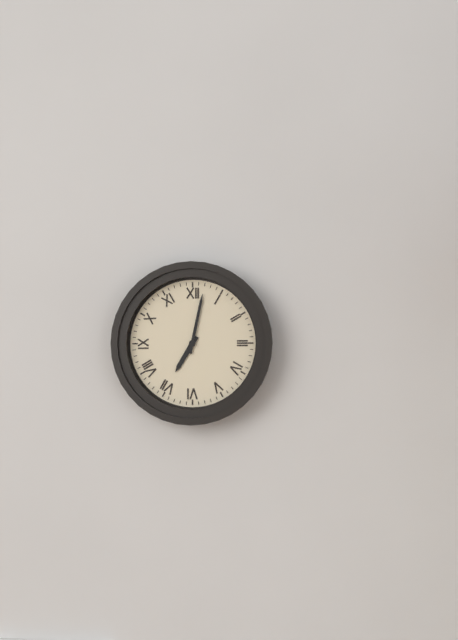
7:02
